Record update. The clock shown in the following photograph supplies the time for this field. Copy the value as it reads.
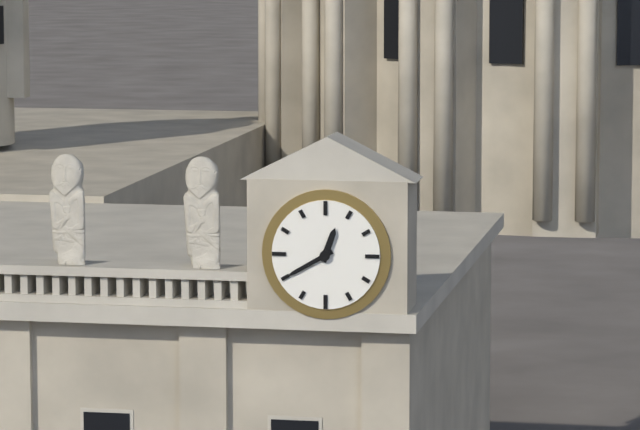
12:40
